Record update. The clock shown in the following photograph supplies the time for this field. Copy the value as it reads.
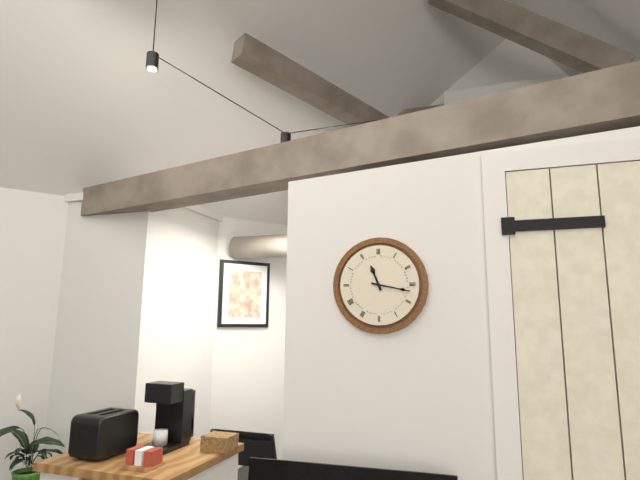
11:17
